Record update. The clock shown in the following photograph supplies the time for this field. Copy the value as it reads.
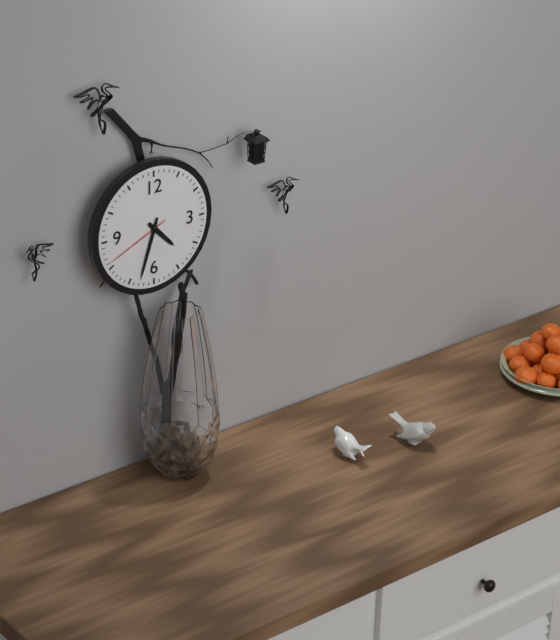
4:33:41
